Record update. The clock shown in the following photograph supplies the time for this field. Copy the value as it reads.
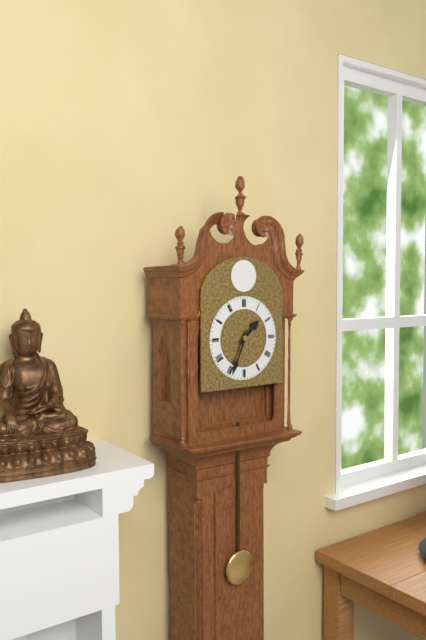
1:34
